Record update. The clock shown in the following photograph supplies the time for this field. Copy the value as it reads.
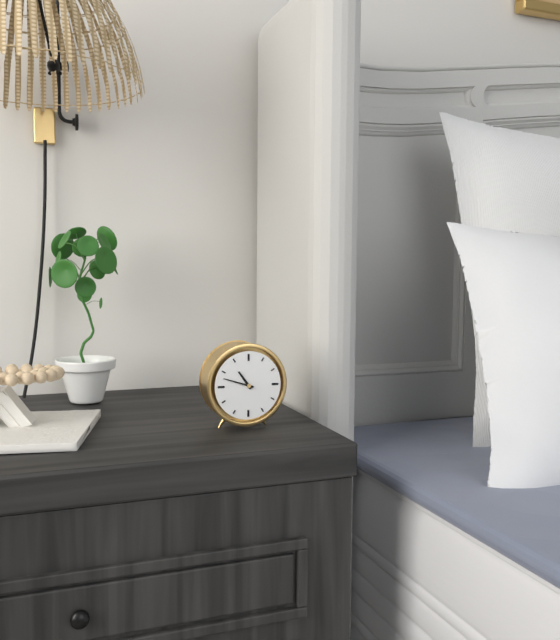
10:48
